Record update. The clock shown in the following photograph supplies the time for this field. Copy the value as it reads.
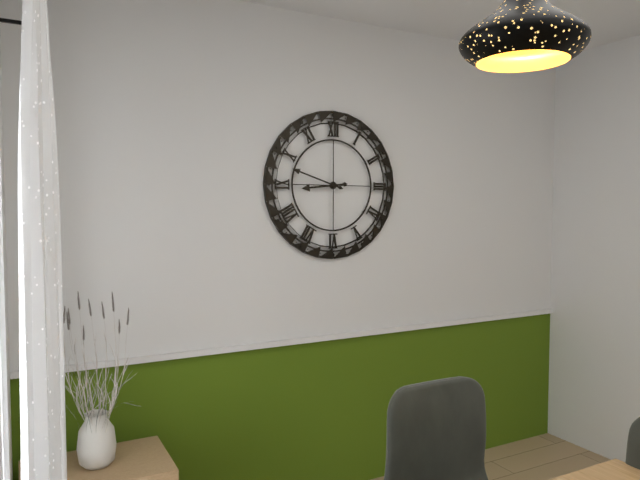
8:48
